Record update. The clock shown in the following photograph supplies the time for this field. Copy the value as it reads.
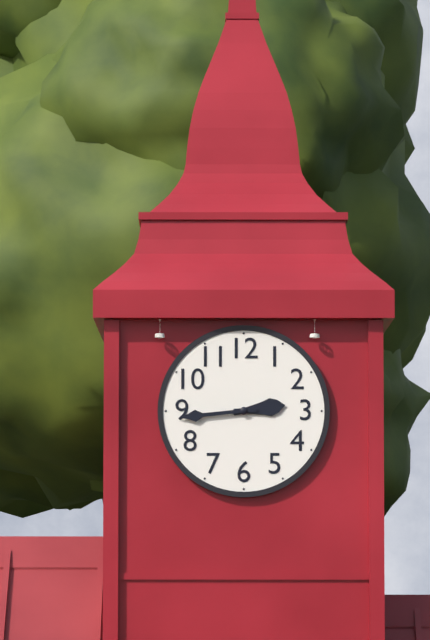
2:44
